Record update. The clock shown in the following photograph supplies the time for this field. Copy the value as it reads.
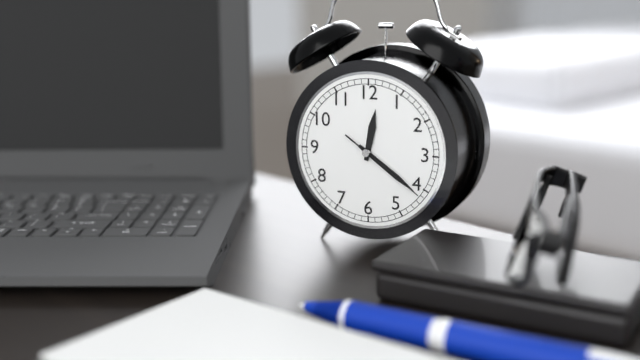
12:21:21
